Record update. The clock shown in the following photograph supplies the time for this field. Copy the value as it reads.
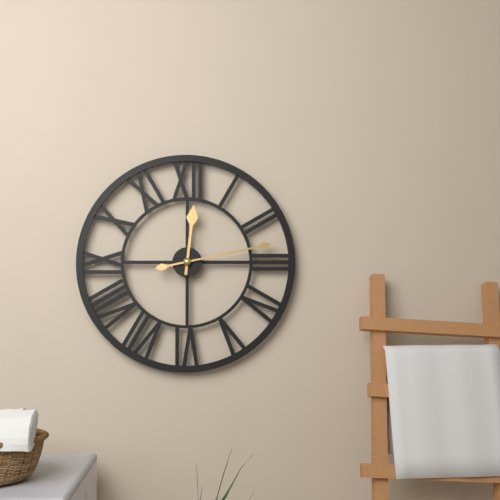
12:13
